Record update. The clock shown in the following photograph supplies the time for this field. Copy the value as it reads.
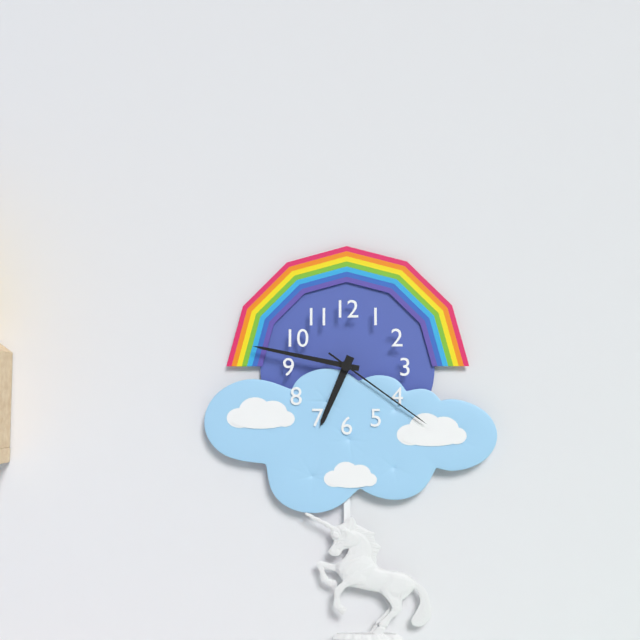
6:47:21
